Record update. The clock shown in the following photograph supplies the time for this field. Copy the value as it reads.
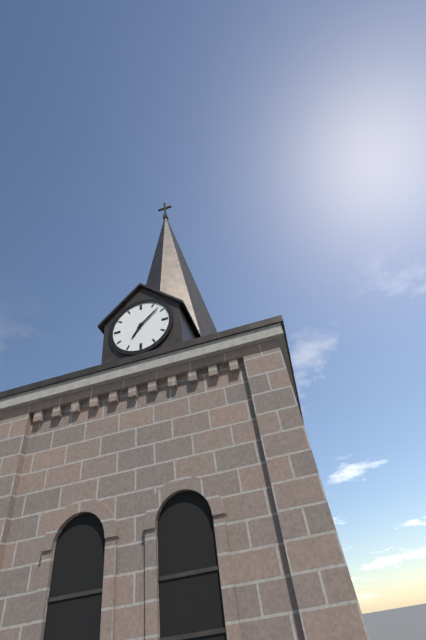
7:08
